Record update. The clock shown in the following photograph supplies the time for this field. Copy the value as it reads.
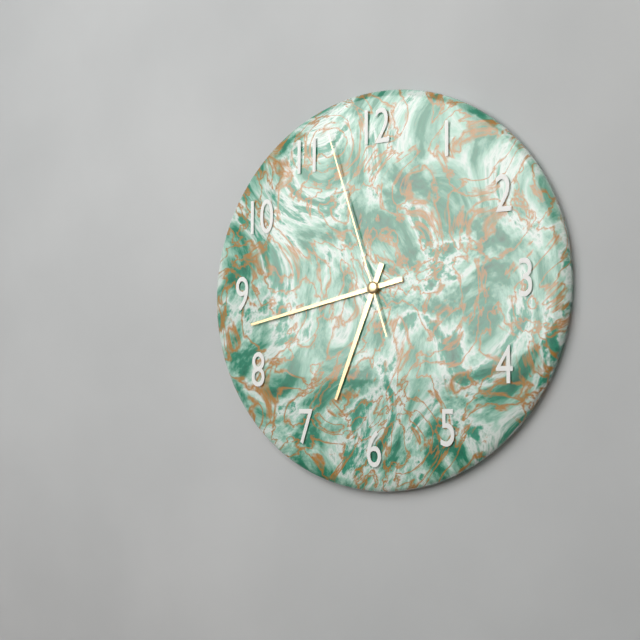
6:43:57
